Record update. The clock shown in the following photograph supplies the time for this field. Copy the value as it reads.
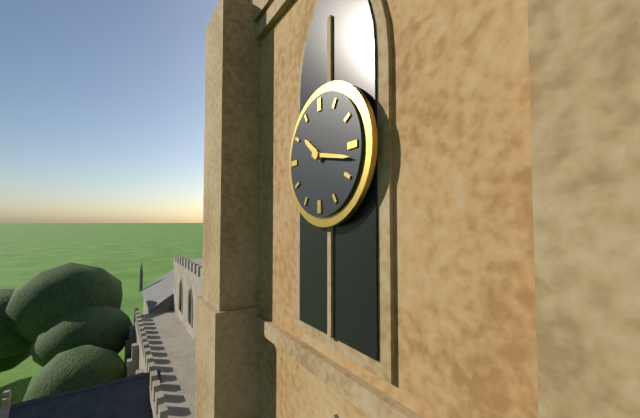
10:17
